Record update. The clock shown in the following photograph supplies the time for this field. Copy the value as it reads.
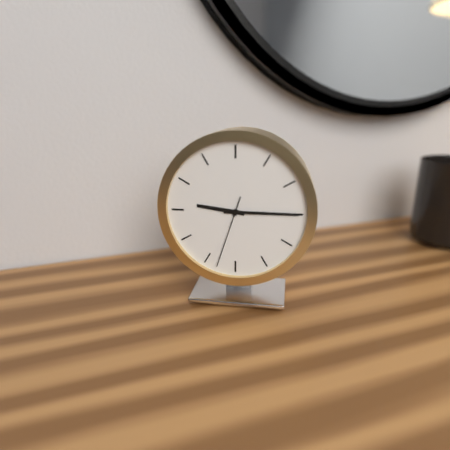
9:15:33
